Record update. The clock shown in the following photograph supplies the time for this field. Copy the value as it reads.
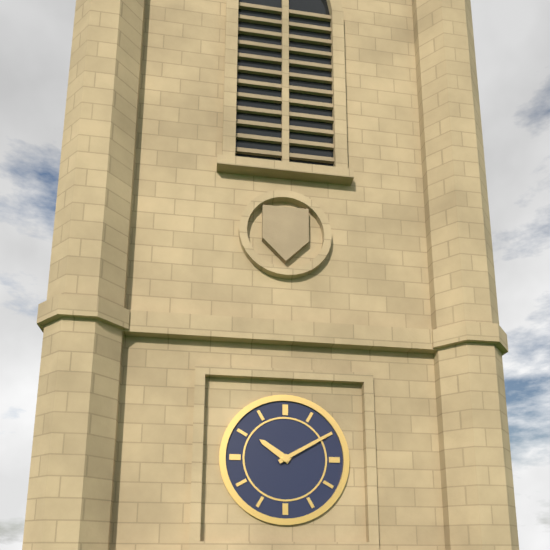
10:10
